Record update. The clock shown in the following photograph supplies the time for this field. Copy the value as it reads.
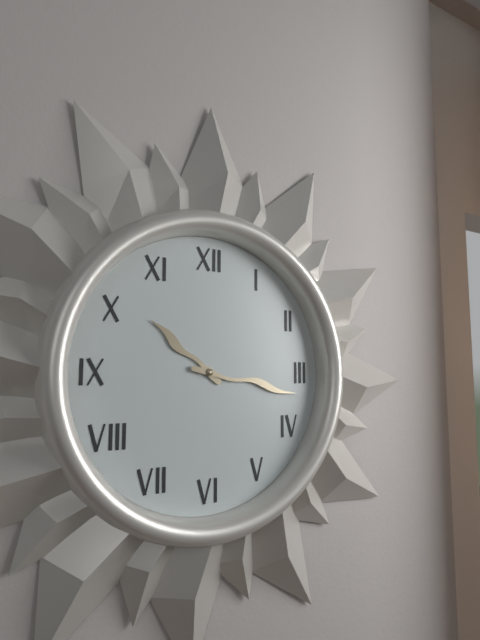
10:17
